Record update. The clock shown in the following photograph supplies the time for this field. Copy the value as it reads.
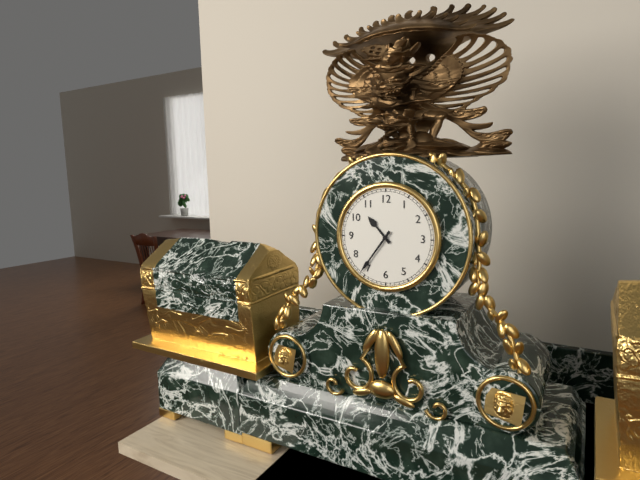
10:36
